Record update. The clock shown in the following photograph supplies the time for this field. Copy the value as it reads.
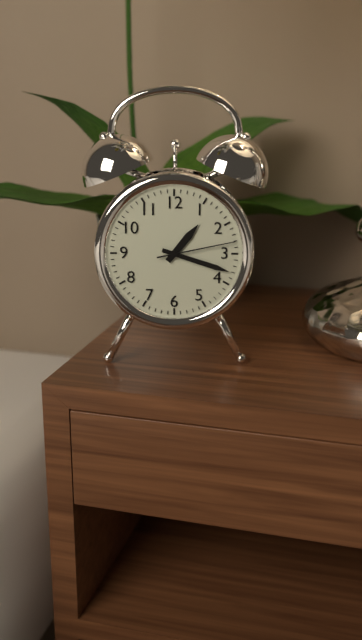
1:18:13
